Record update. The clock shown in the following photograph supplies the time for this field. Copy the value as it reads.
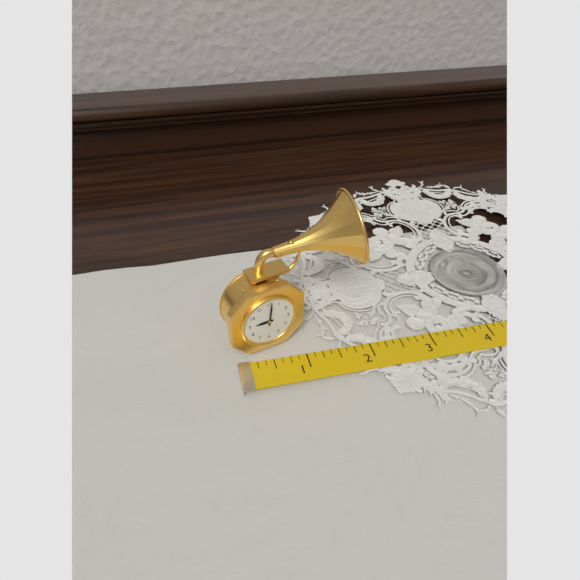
9:01
